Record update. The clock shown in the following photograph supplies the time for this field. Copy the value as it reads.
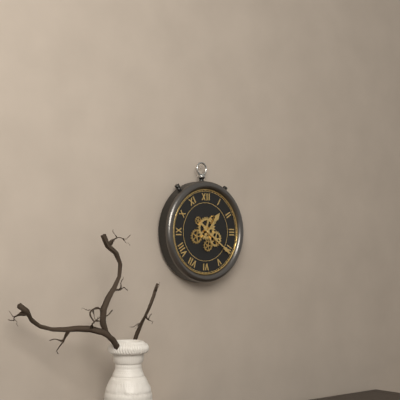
1:21
